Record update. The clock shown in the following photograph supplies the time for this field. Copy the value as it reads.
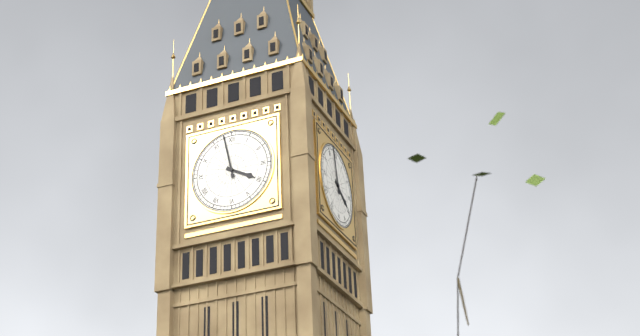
3:58
